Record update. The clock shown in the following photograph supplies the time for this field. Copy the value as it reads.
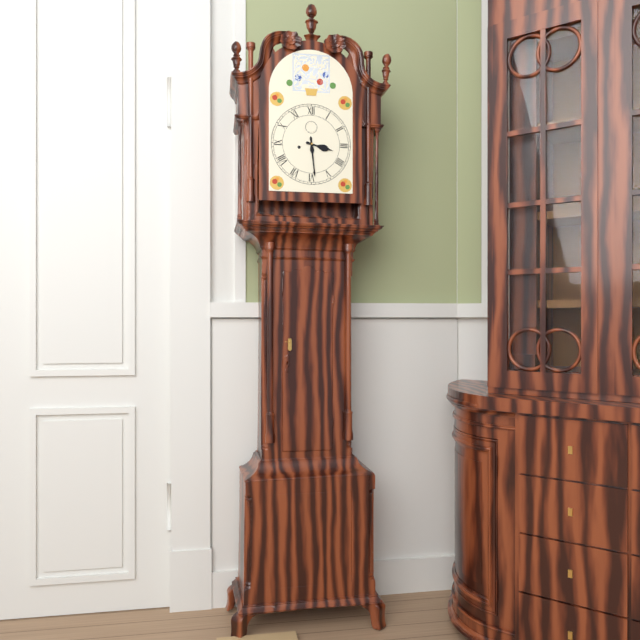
3:29
